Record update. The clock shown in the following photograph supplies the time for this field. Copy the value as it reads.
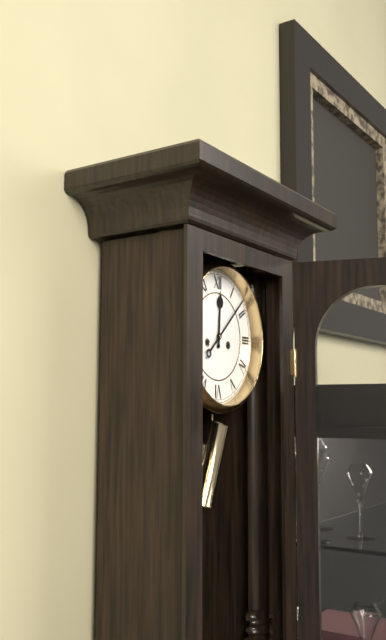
12:08
